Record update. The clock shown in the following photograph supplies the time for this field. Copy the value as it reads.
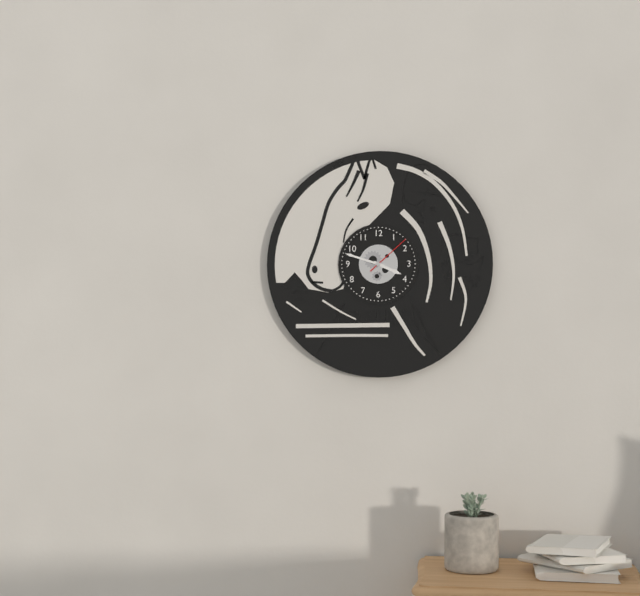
3:48
